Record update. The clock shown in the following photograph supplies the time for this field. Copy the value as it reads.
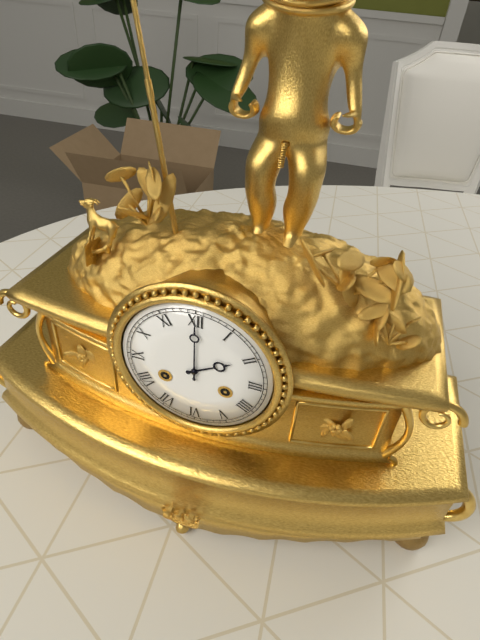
2:00
